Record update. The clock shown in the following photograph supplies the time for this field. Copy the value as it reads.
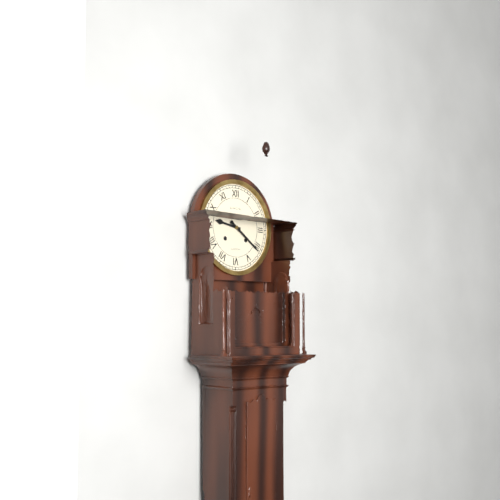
9:21
